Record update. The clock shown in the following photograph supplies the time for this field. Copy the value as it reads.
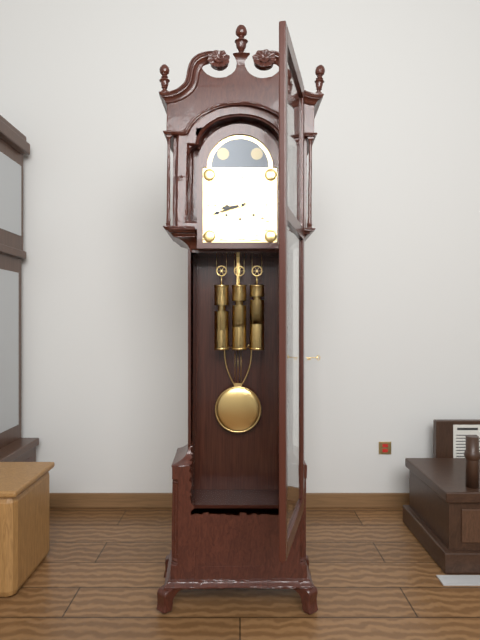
8:42
